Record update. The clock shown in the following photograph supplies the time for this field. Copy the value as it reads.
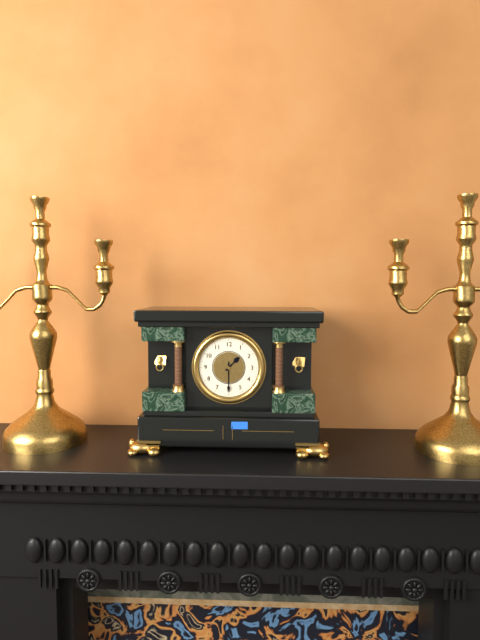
1:30
